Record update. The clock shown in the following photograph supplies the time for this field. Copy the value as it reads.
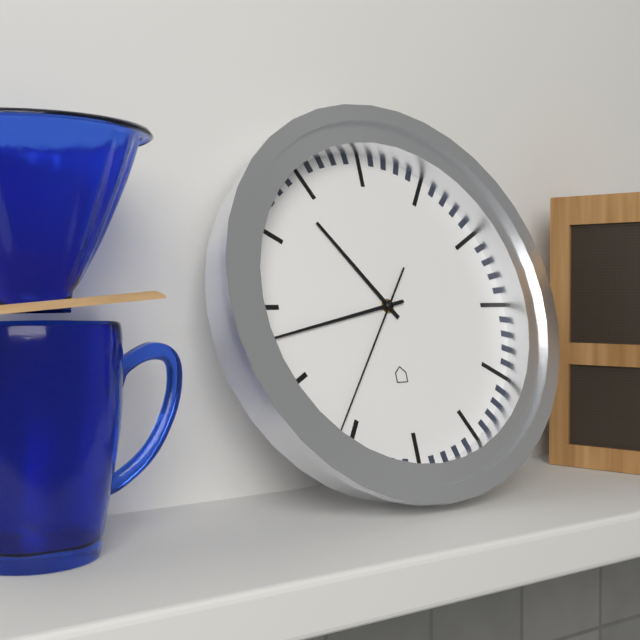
10:43:36
